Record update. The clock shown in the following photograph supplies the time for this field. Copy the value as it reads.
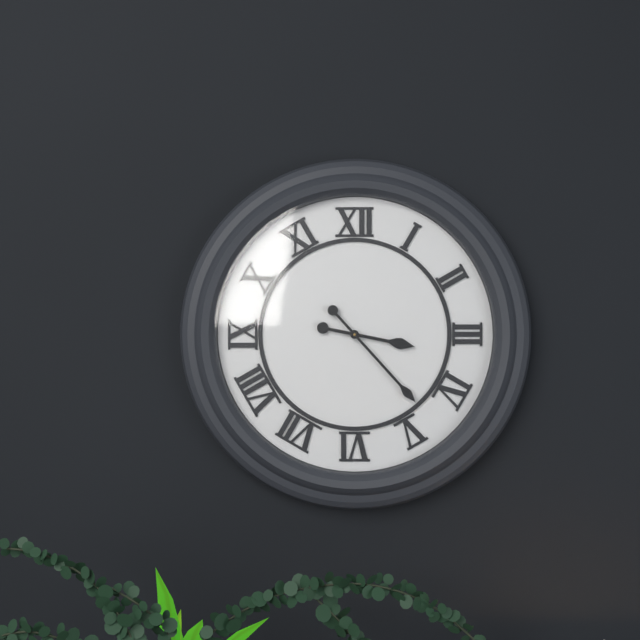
3:23
